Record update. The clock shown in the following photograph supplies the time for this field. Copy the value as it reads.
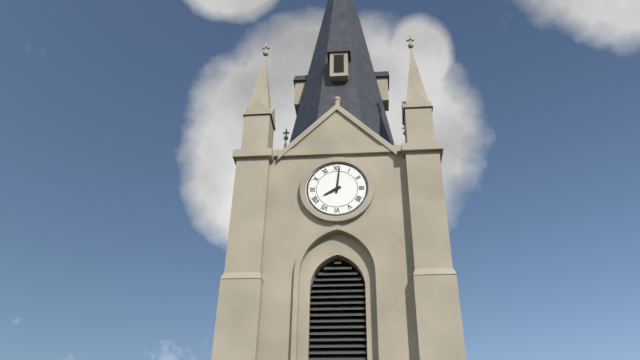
8:01
